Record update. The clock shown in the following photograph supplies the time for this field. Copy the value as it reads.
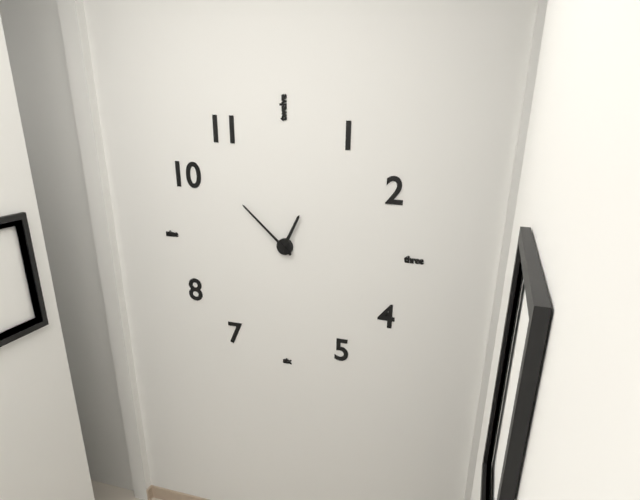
12:52
